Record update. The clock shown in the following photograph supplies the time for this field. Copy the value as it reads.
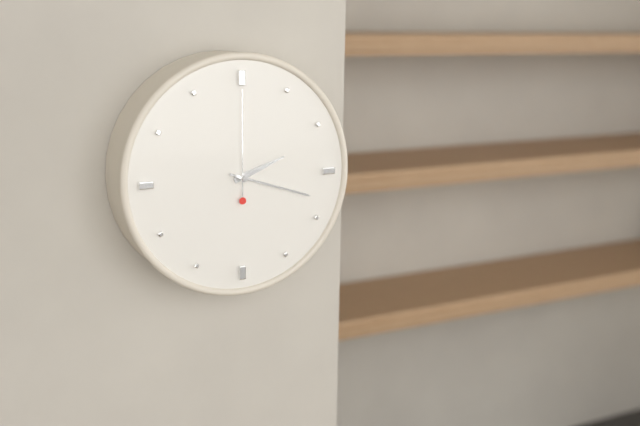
2:18:00
